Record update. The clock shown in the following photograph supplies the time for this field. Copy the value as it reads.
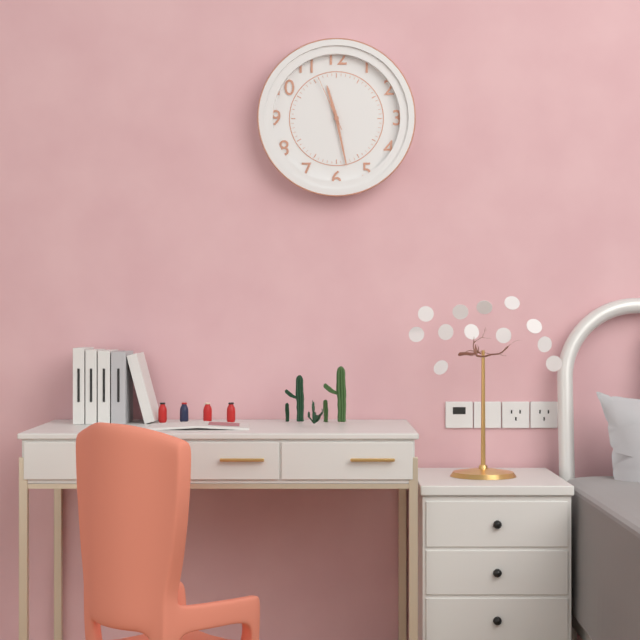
11:28:56
